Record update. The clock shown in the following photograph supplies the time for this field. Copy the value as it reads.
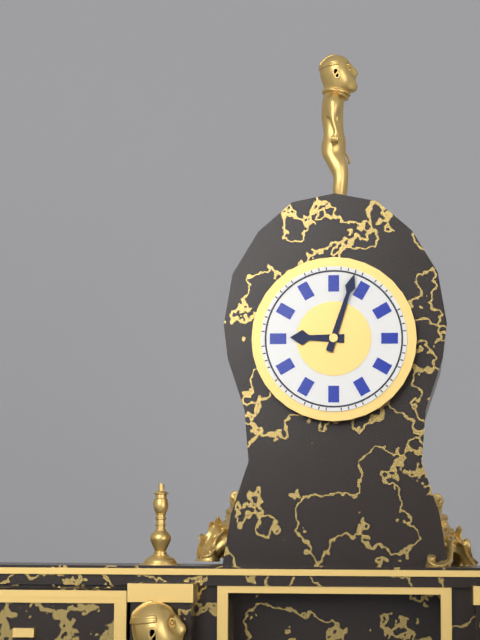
9:03
